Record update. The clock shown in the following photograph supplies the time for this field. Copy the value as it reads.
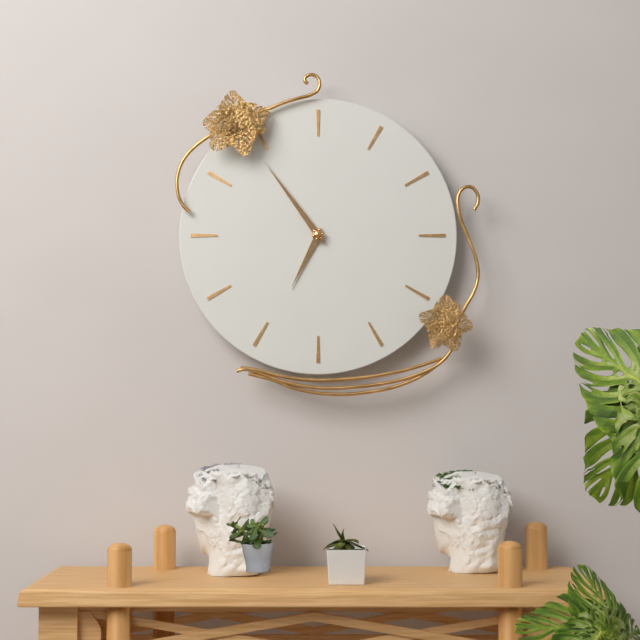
6:54
